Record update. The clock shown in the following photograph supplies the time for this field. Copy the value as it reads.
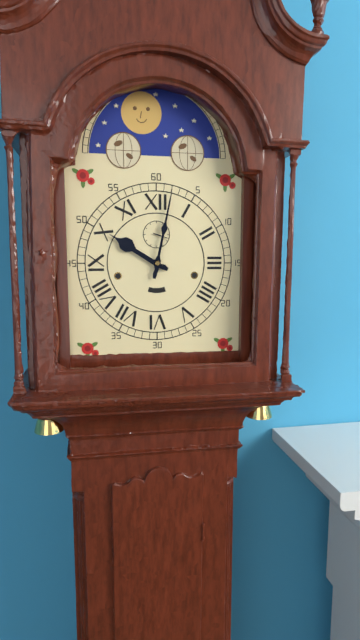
10:02
